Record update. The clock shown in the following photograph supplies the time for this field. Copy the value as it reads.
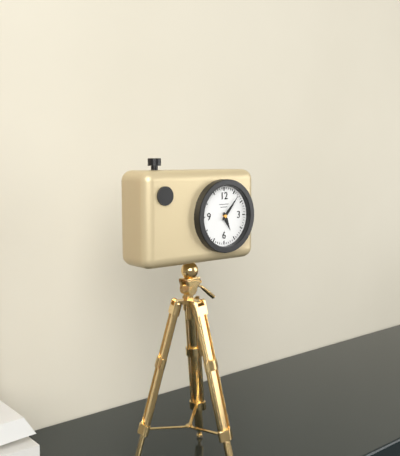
5:07
